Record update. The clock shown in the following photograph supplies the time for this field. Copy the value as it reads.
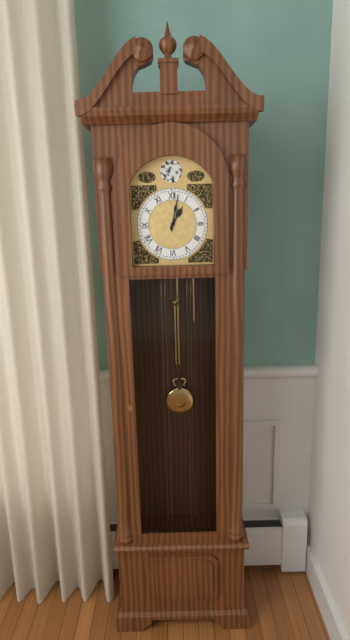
1:02
